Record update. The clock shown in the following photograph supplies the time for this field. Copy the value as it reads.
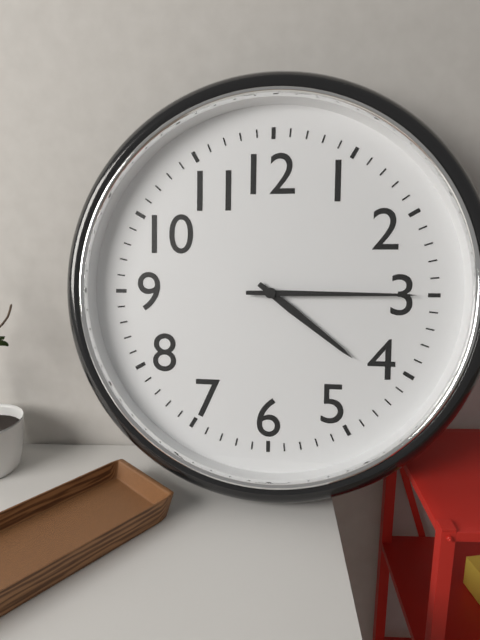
4:15
